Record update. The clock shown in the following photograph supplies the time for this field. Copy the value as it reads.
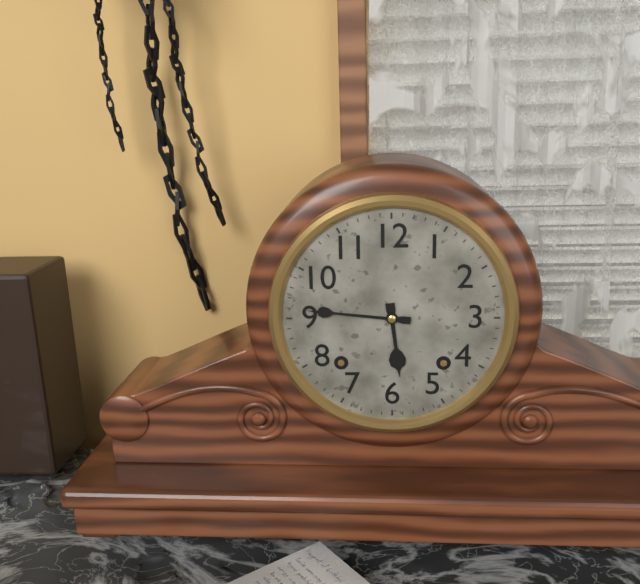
5:46
